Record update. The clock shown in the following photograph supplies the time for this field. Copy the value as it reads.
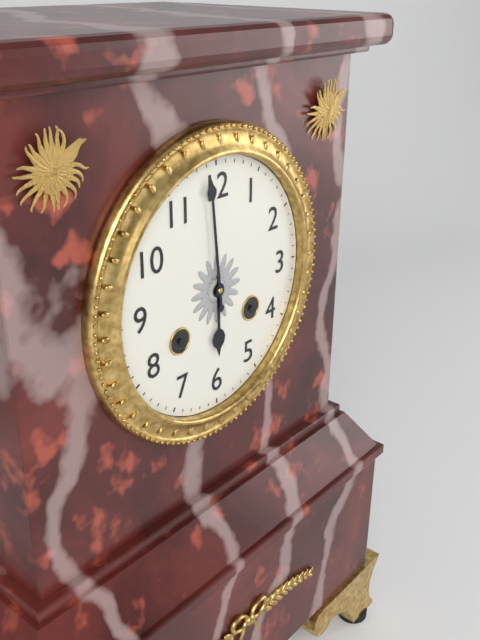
5:59
